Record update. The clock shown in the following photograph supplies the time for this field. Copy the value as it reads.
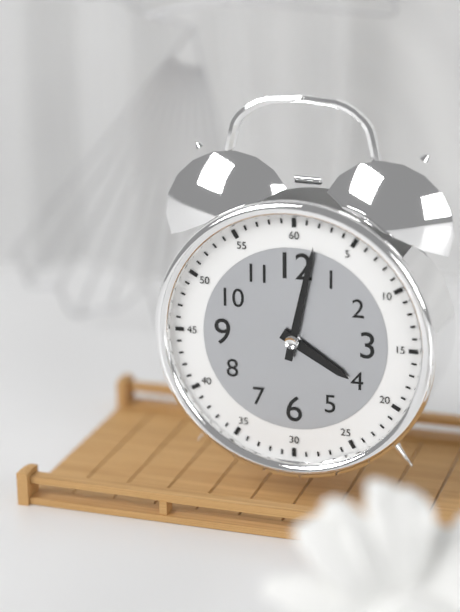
4:02
